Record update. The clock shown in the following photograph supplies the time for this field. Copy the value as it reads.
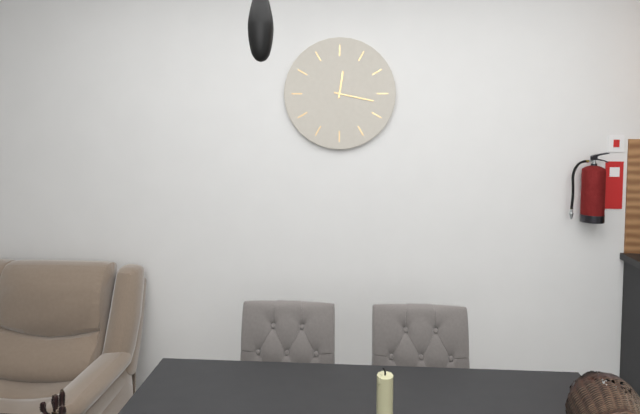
12:17
